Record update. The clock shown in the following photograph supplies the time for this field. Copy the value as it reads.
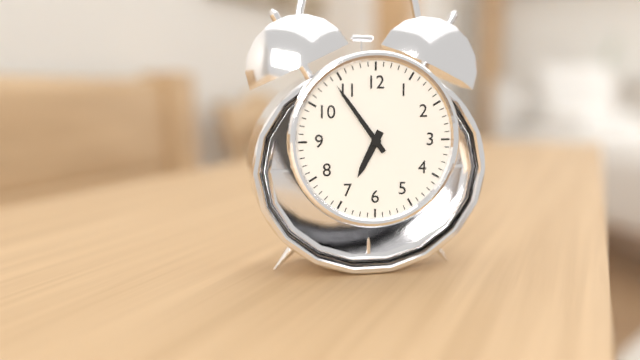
6:54
